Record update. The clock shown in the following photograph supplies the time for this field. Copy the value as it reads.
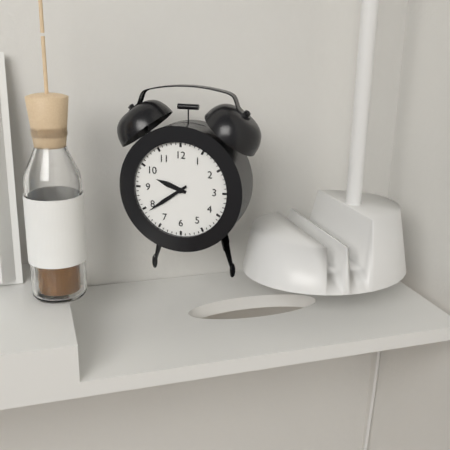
9:39
